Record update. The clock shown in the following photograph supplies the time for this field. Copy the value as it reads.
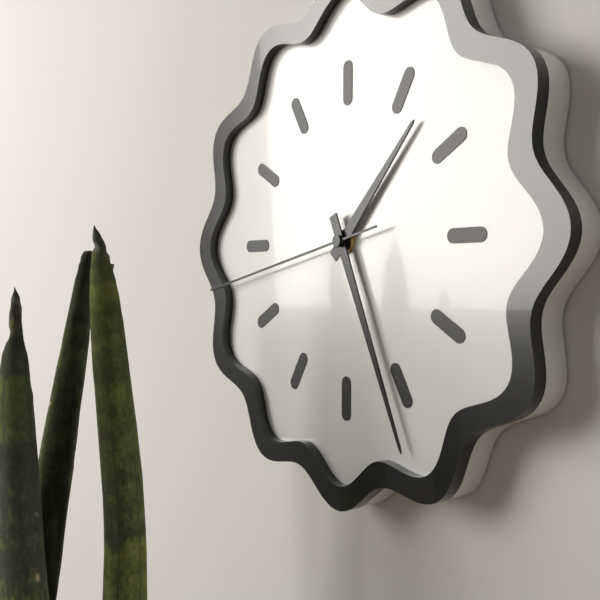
1:26:43
